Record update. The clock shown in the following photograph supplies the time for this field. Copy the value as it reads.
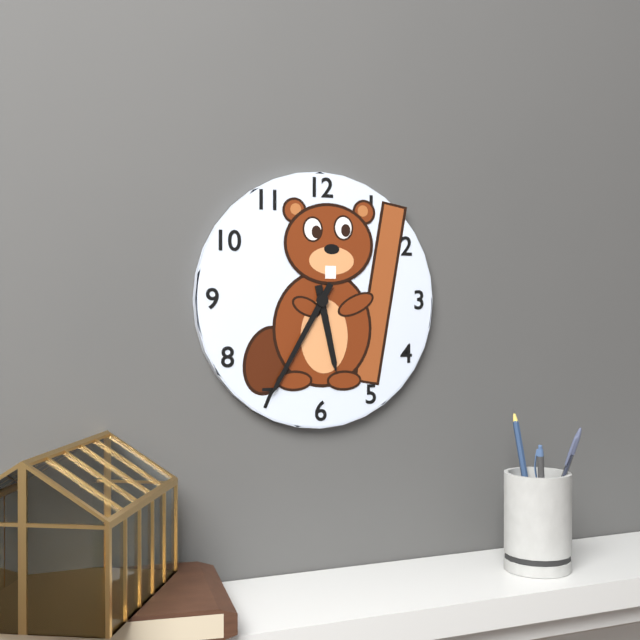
5:35
